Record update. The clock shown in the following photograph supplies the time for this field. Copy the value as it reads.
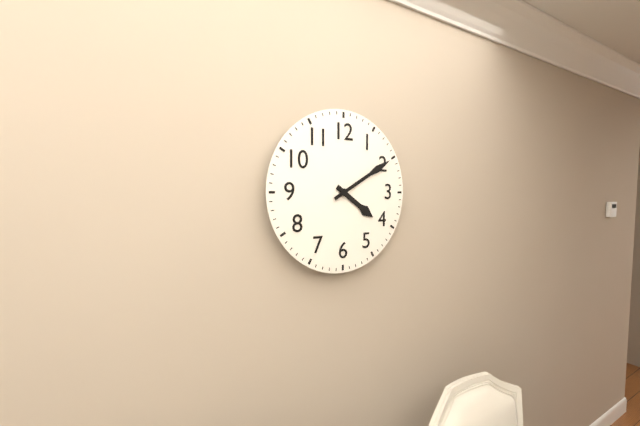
4:10
